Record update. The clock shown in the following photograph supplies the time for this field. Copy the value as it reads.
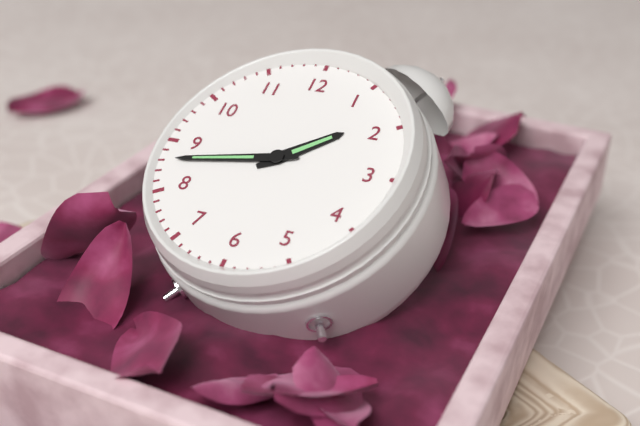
1:43
